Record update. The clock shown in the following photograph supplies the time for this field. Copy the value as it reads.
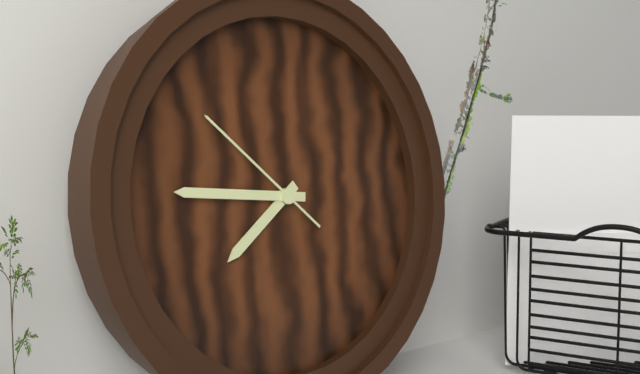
7:46:52
